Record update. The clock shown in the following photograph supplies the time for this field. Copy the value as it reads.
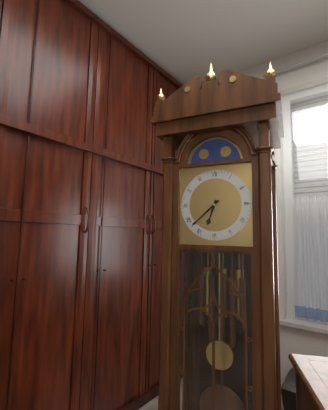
6:38
